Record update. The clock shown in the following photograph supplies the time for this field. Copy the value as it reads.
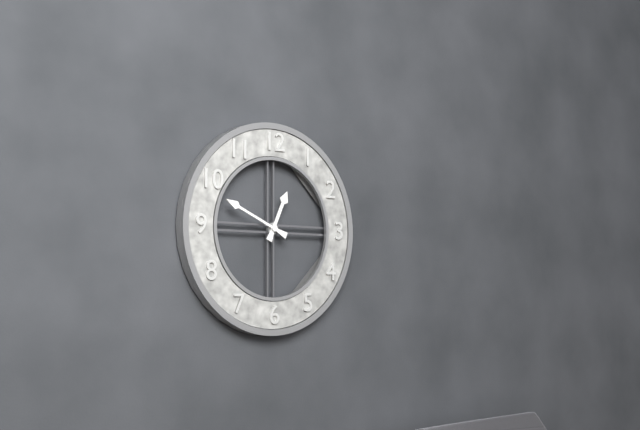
12:49
